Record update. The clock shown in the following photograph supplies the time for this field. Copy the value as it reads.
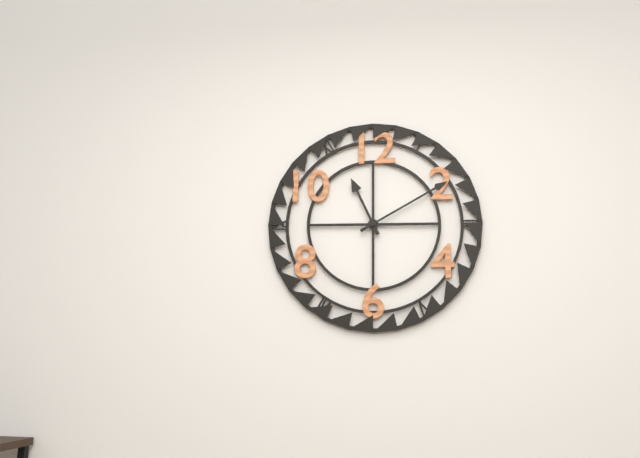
11:10
